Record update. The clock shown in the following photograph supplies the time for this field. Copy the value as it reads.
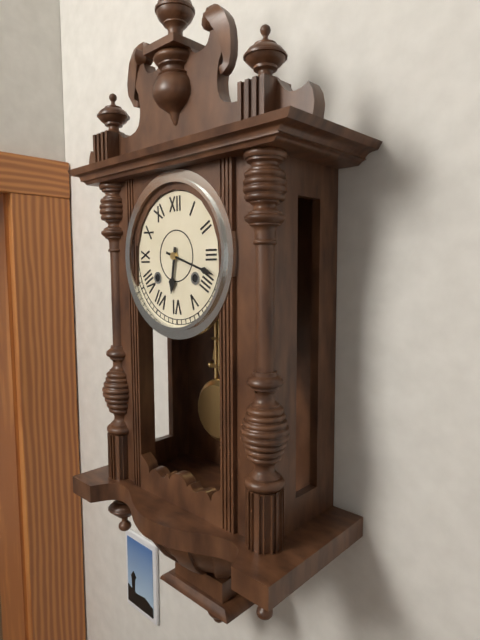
6:18
